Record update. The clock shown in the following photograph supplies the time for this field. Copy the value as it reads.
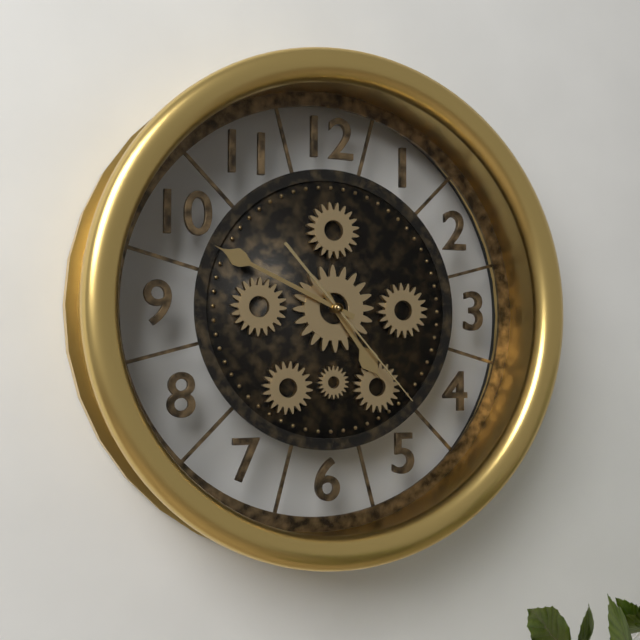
4:49:23
